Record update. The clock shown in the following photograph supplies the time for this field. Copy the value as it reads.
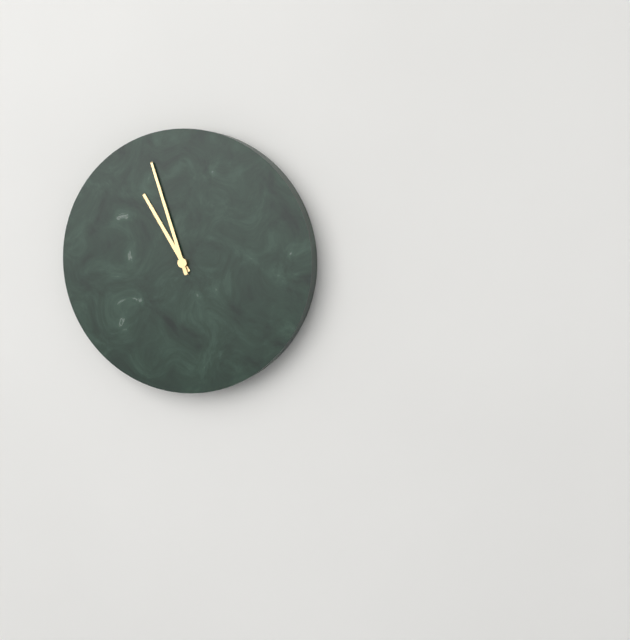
10:57
